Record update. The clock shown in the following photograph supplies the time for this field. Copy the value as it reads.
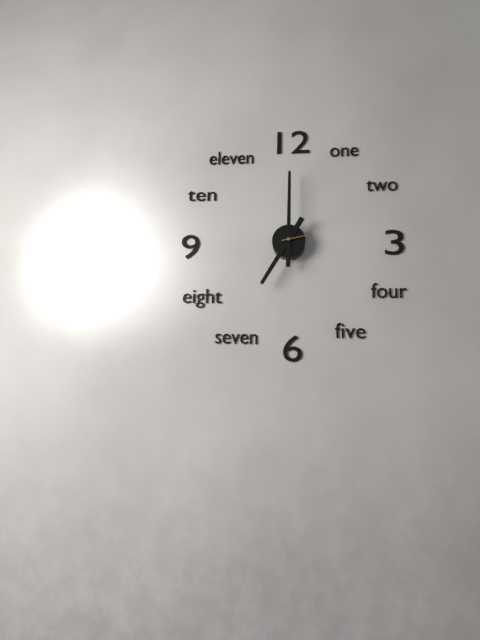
7:00
